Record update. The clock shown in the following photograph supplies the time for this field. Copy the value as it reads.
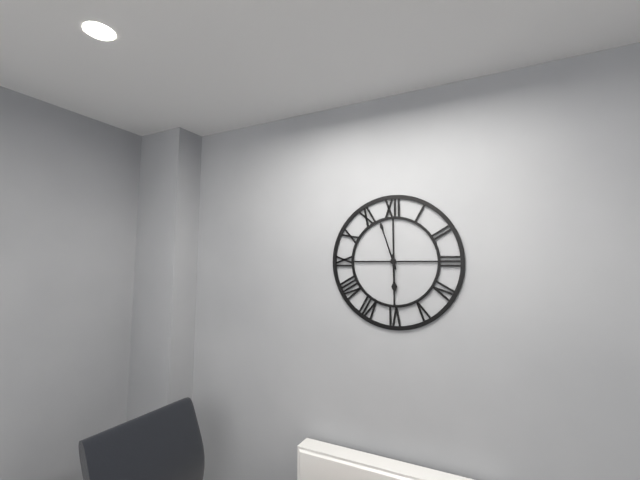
5:57
